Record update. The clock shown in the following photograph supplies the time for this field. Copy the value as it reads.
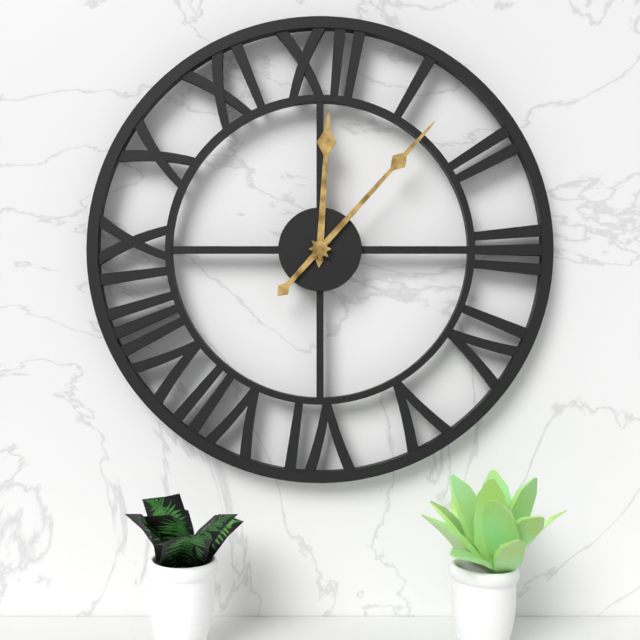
12:07
